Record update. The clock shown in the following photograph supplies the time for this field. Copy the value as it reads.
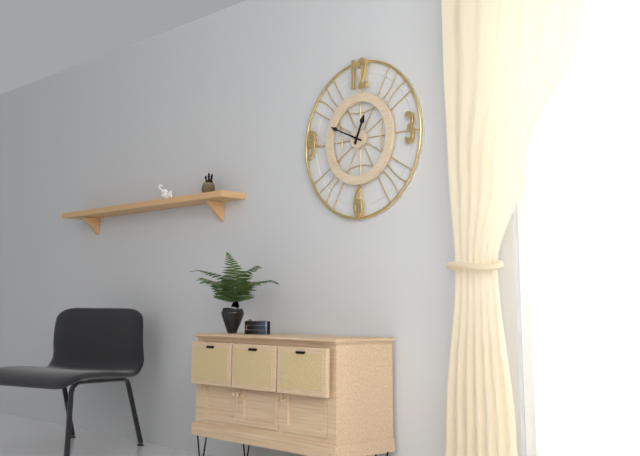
12:49
